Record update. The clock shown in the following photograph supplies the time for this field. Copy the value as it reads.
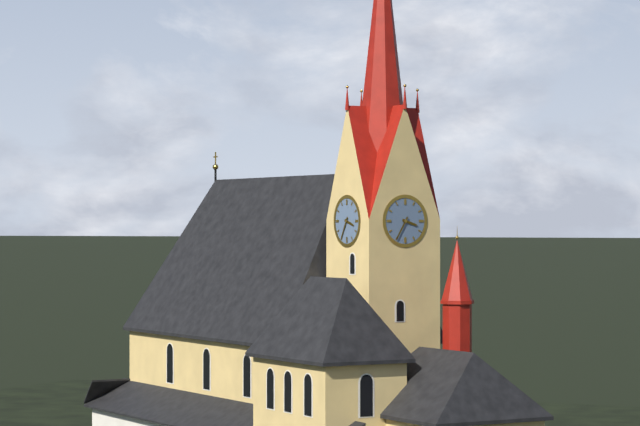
3:35
